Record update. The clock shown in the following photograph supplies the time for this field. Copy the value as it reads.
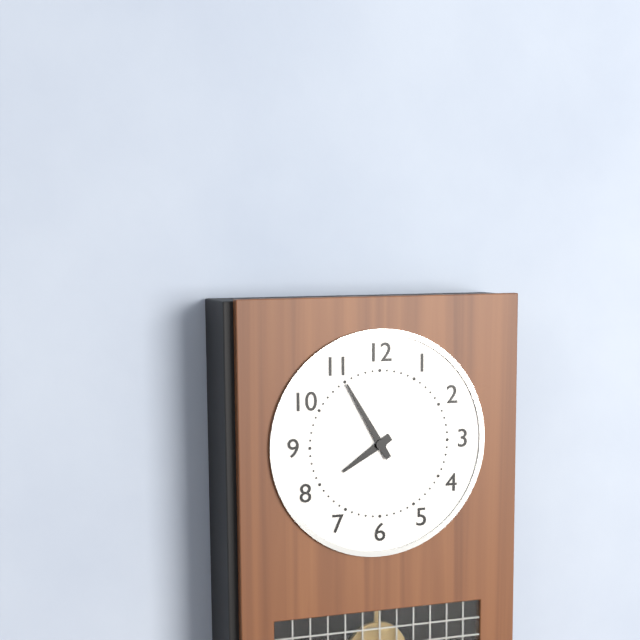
7:55
